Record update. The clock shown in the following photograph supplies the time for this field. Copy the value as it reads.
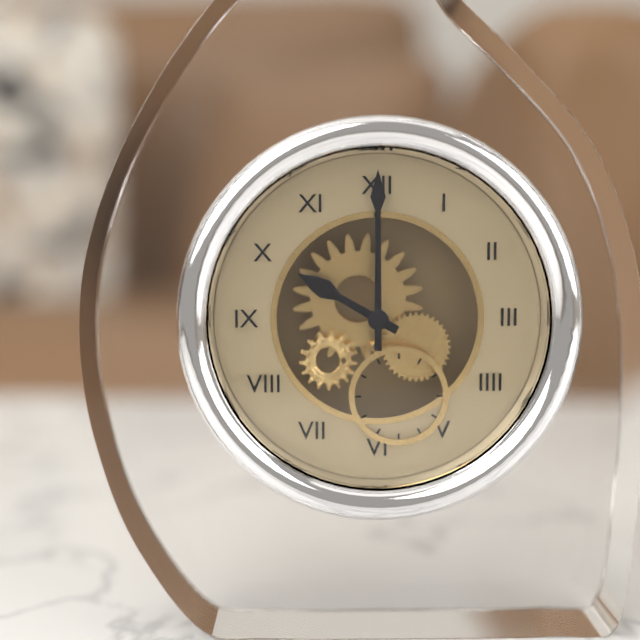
10:00
